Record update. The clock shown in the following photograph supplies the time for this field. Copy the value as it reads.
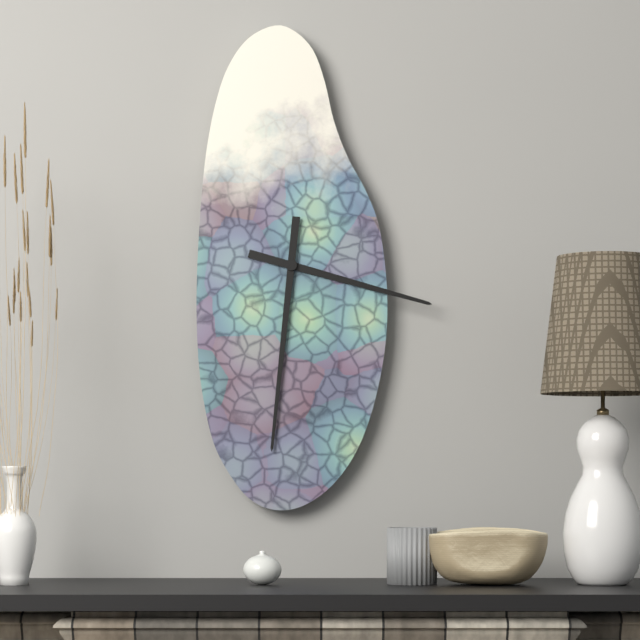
3:31
